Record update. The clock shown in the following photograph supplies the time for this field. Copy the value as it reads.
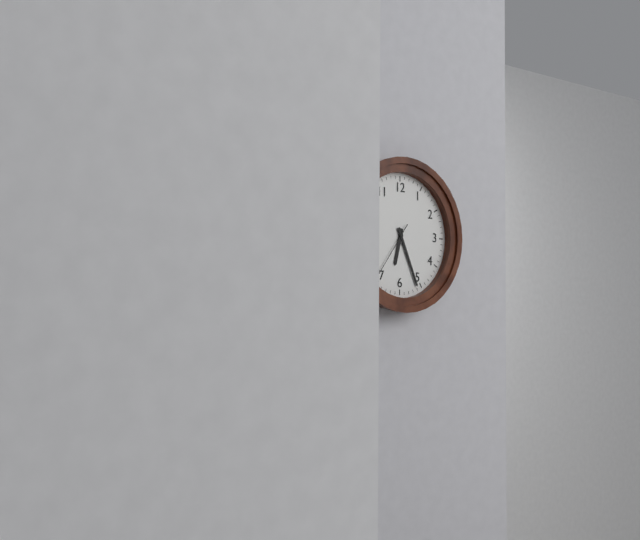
6:26:36
